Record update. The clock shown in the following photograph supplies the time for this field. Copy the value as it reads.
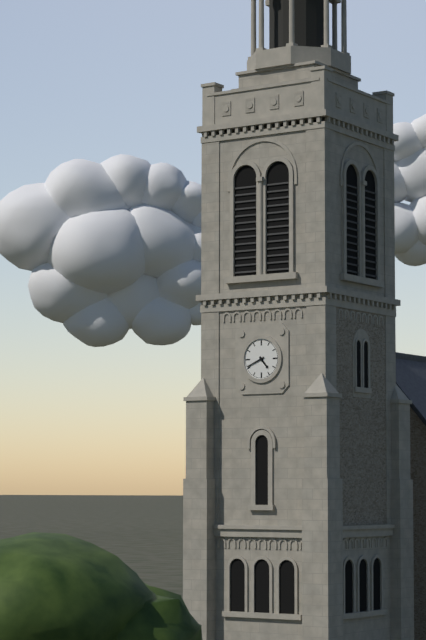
4:41
